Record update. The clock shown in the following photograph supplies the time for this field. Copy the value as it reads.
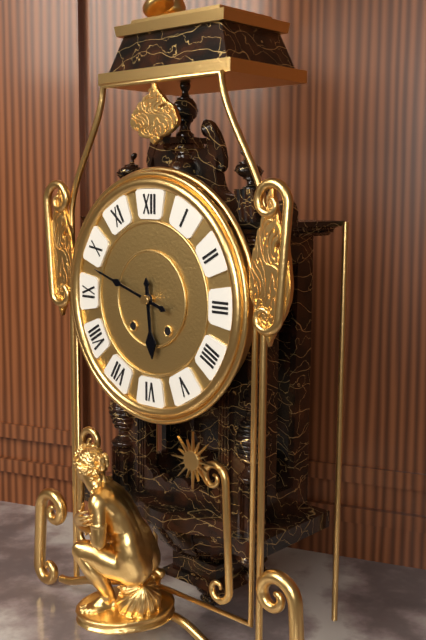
5:48
